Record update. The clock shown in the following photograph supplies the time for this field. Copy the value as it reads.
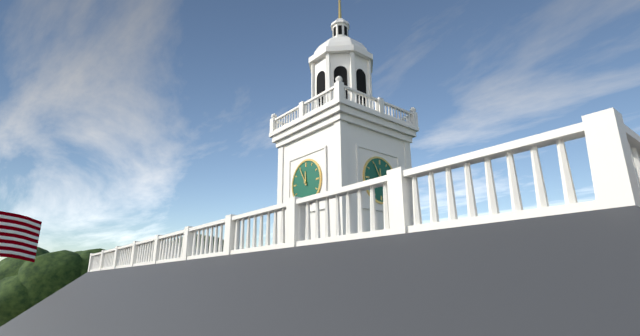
11:55
